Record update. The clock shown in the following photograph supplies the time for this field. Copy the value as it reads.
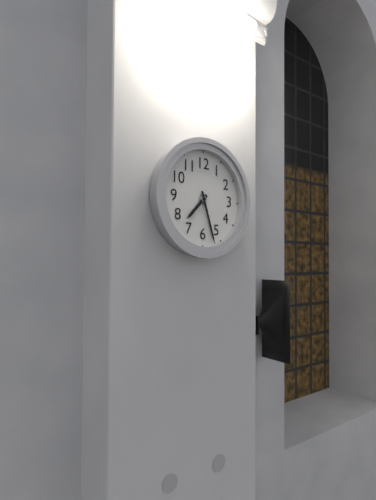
7:27
